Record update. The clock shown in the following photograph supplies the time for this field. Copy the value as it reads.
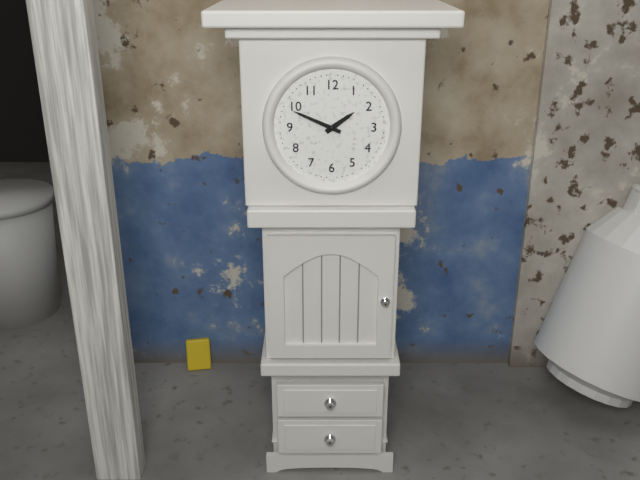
1:49
